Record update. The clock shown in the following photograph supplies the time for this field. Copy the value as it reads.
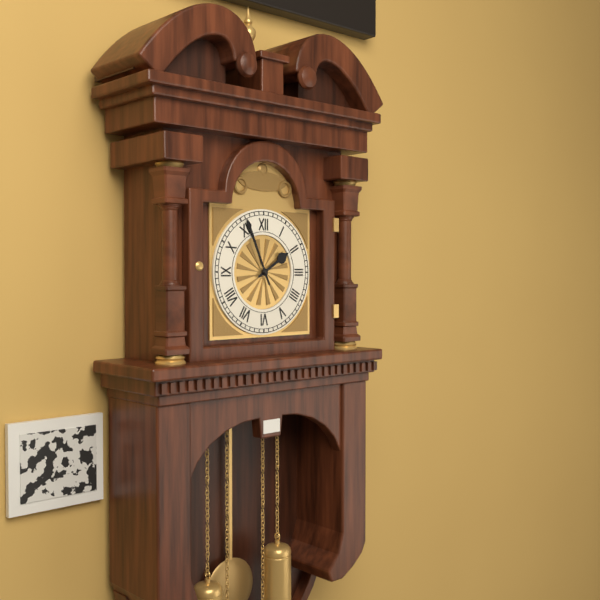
1:56
